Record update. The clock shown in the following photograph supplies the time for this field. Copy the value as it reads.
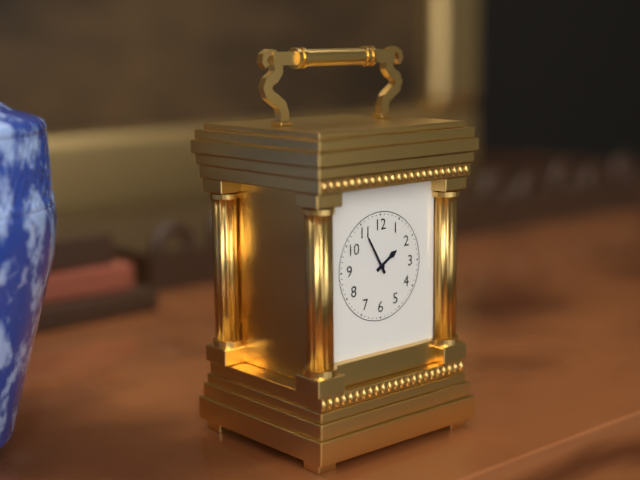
1:55
